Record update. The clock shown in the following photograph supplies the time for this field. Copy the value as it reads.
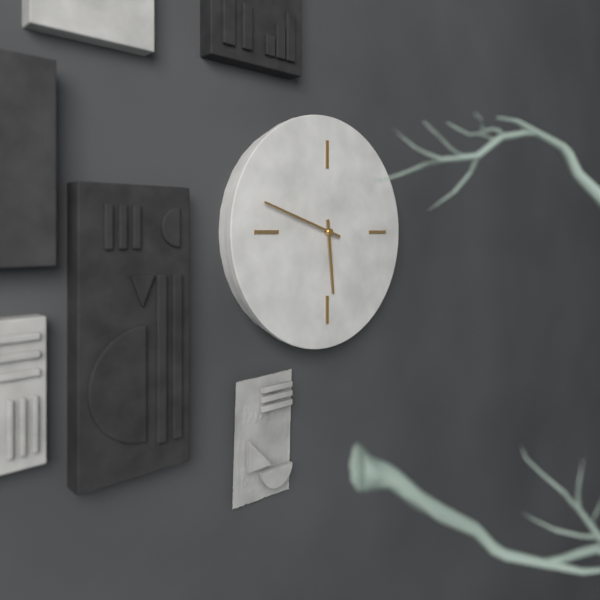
5:48
